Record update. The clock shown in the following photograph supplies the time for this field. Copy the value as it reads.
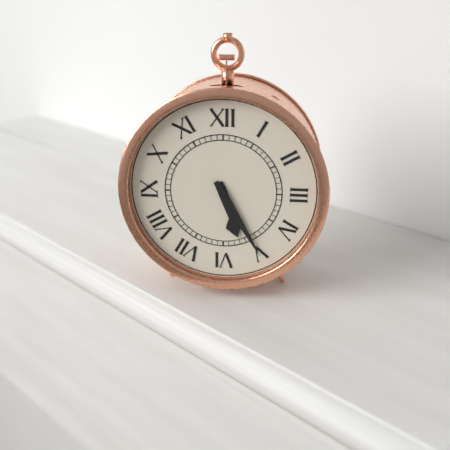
5:25
